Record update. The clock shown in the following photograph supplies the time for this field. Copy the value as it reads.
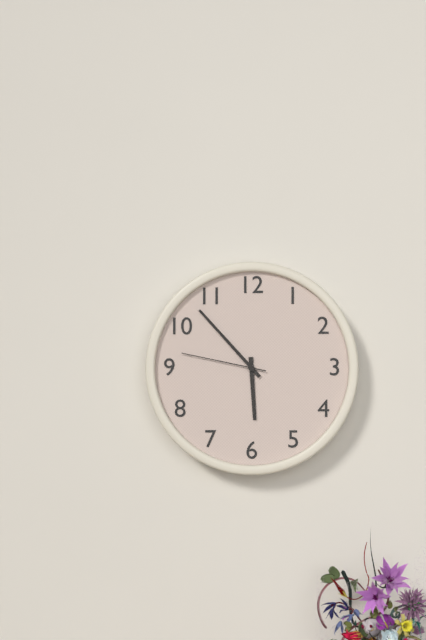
5:53:47
